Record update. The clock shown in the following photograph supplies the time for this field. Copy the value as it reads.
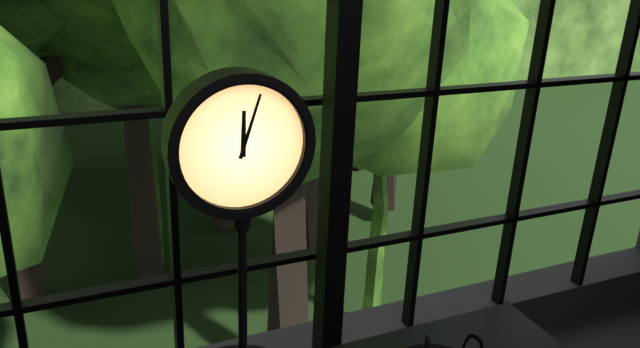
12:03
